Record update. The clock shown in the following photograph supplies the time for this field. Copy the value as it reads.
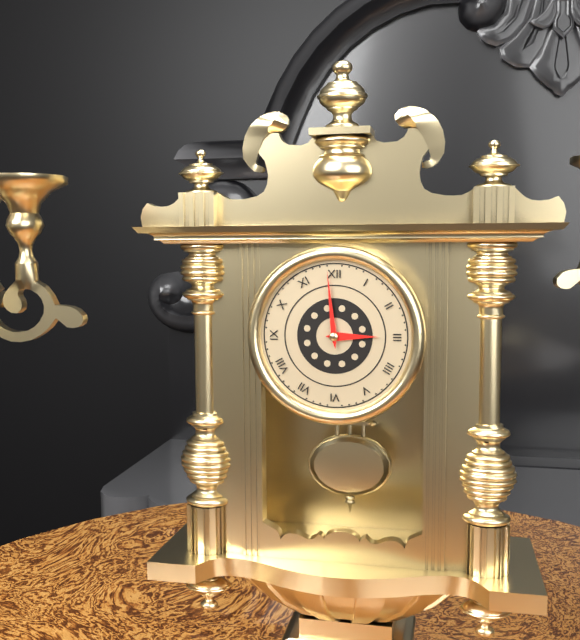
2:59
